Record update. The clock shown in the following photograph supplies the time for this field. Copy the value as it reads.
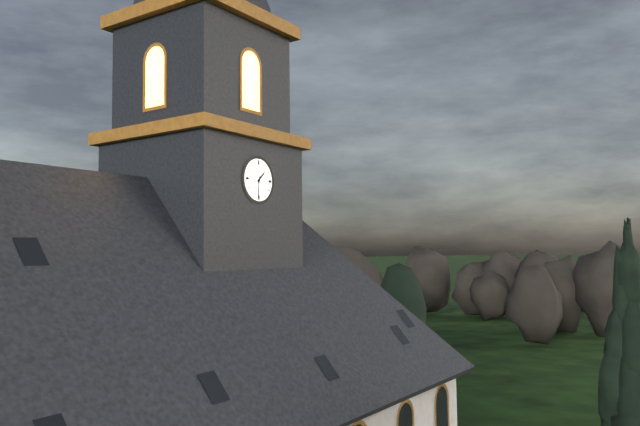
1:31
